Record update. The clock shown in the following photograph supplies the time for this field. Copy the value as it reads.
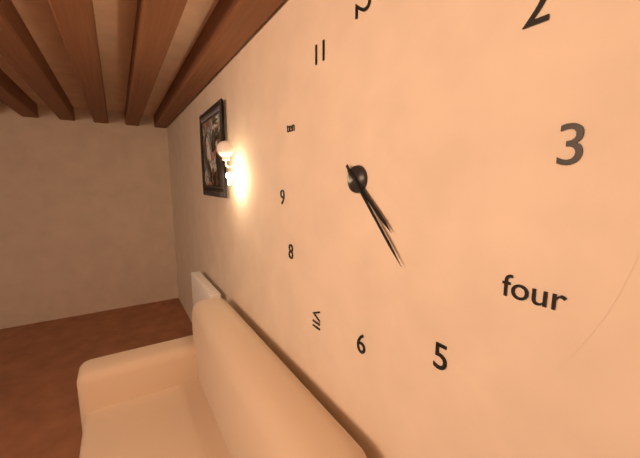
4:23
